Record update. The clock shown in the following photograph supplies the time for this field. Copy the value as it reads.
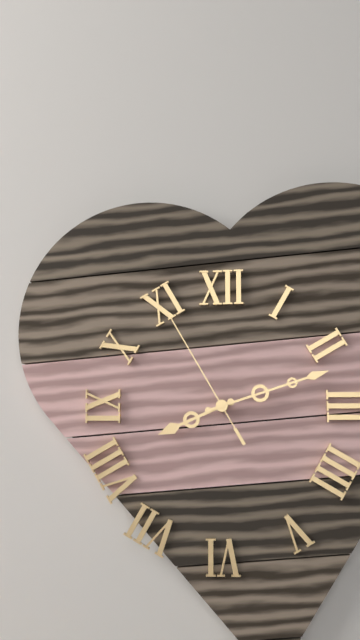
8:12:55
